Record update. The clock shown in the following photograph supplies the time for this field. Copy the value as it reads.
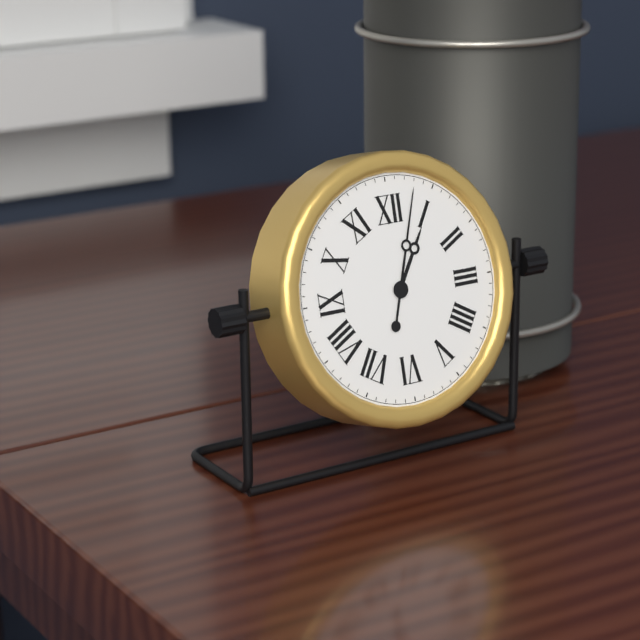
1:03
